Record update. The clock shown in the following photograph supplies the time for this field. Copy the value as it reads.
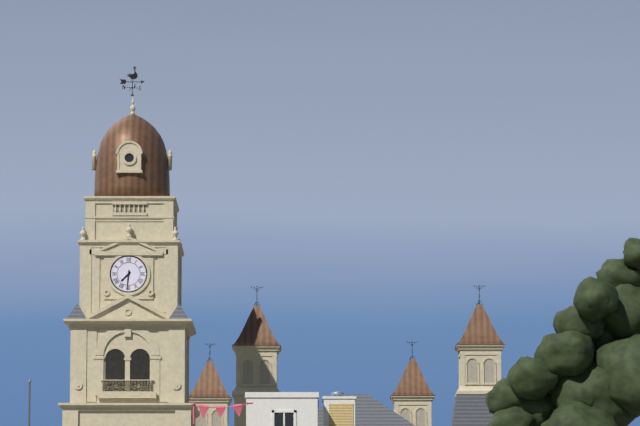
7:31
